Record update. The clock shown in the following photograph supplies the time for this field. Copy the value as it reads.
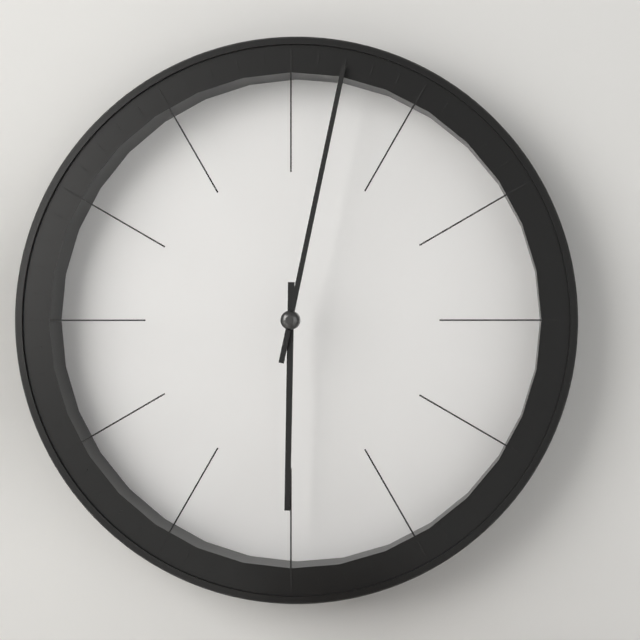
6:02
